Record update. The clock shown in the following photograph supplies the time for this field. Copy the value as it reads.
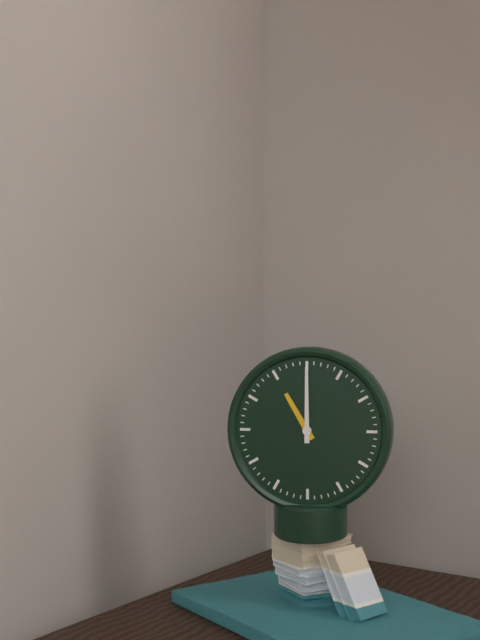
11:00
